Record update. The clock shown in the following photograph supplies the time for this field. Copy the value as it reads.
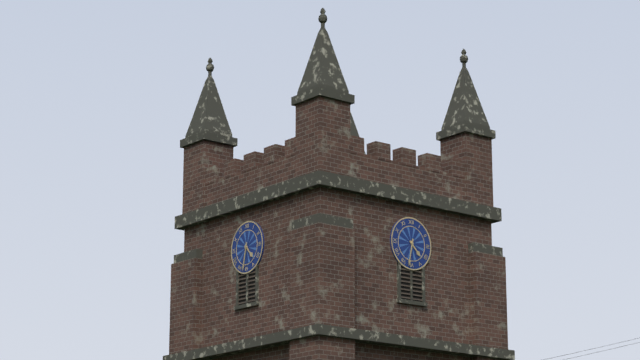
4:32
